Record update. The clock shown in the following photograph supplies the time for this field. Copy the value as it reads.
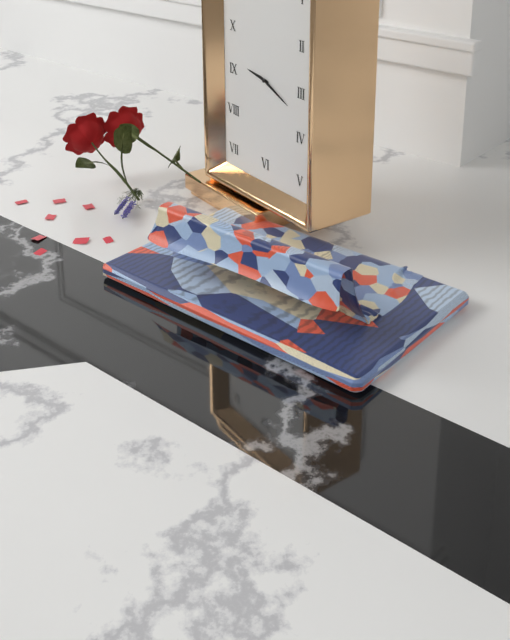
9:19
